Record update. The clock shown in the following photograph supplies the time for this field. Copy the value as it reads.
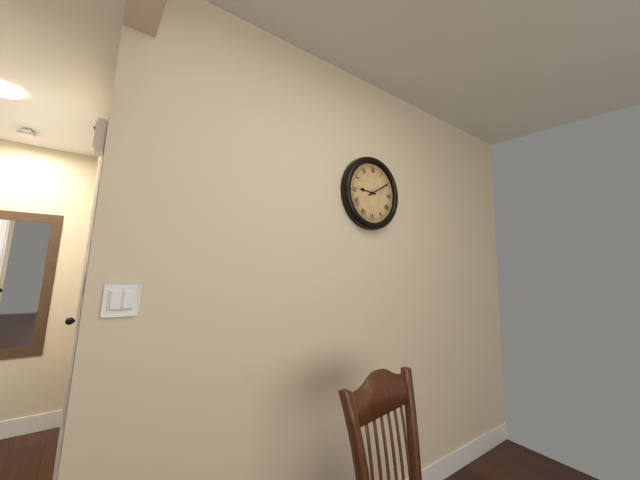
9:10
